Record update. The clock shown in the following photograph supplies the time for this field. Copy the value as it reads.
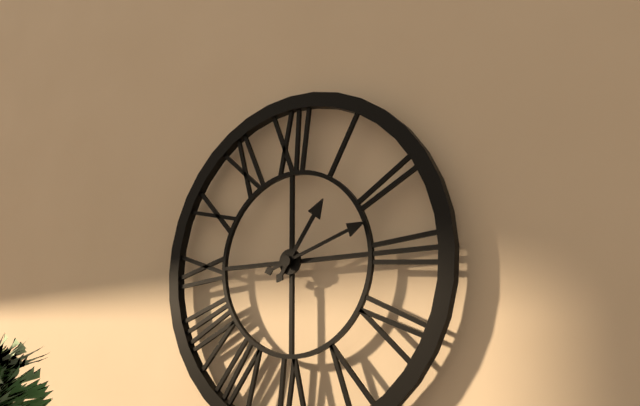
1:12
